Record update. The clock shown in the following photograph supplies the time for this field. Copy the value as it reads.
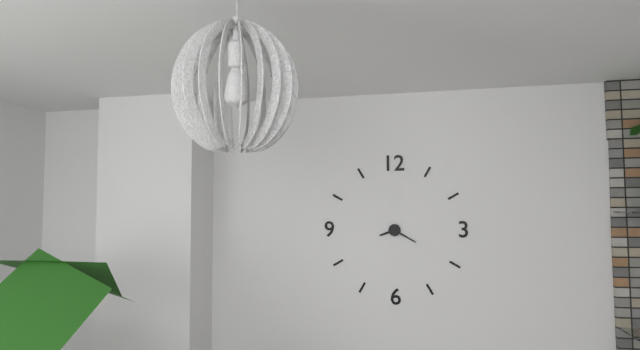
8:20
